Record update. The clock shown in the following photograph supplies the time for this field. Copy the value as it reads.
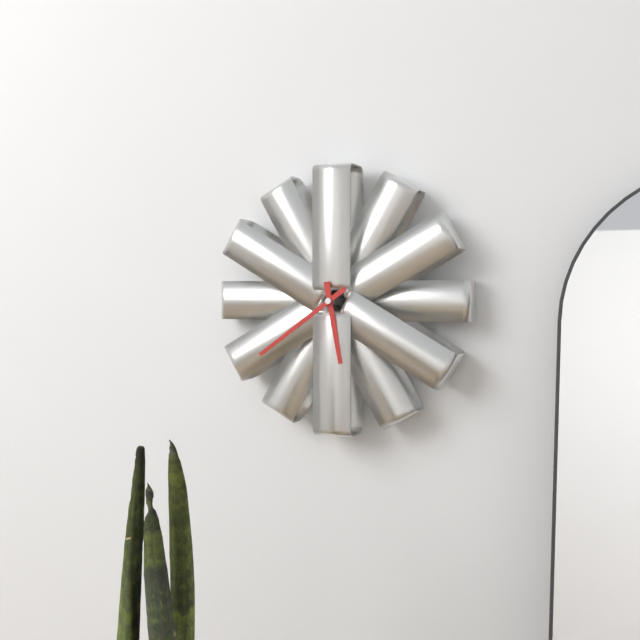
5:39
